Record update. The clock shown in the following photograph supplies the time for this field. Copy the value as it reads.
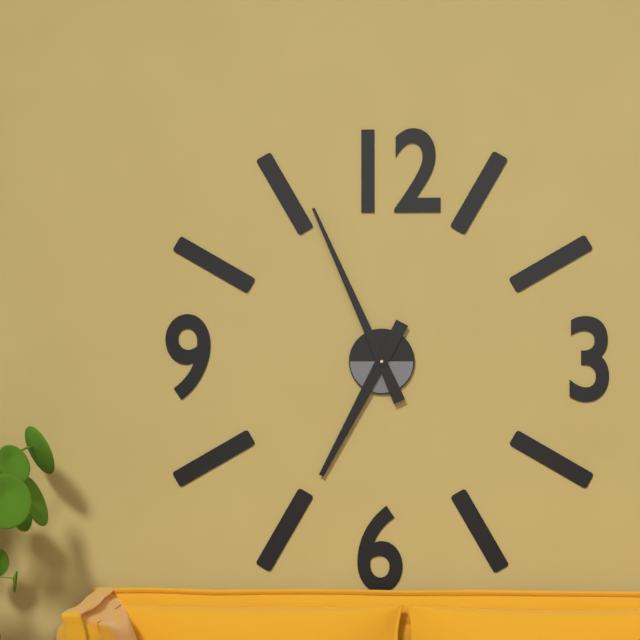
6:56
